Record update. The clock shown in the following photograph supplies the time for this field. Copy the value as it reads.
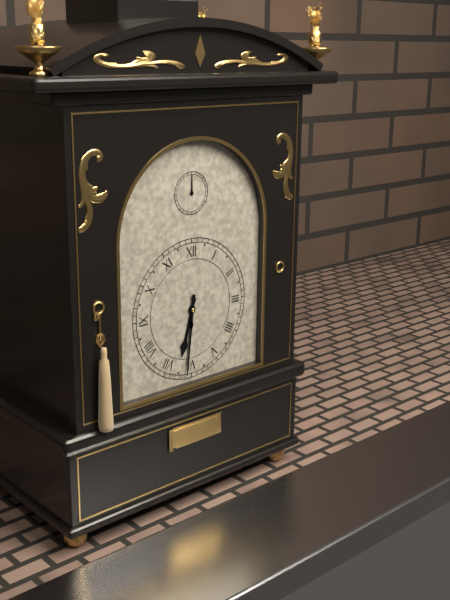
6:31
